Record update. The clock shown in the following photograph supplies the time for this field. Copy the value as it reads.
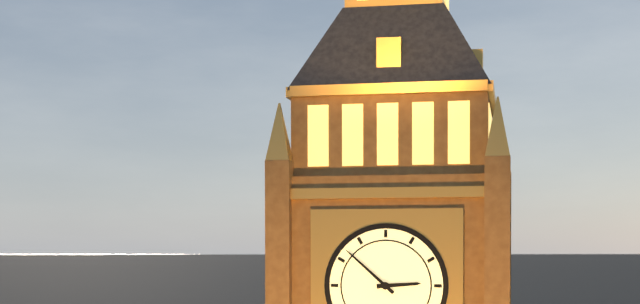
2:52
